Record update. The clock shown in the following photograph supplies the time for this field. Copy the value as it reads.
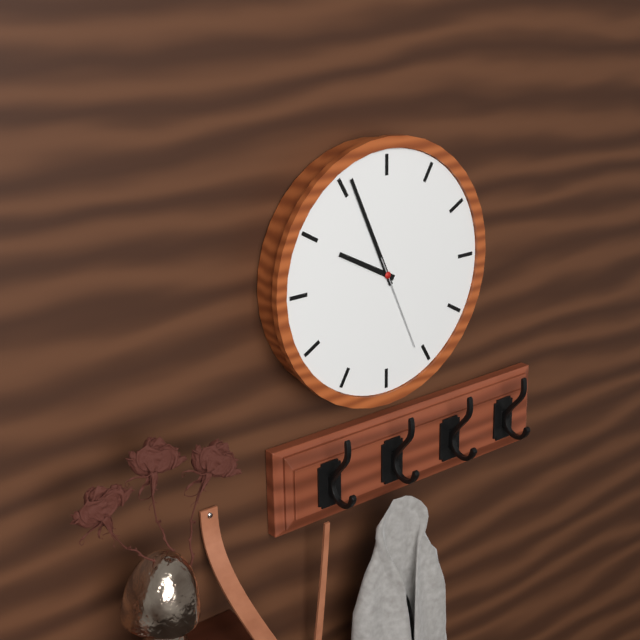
9:56:26
